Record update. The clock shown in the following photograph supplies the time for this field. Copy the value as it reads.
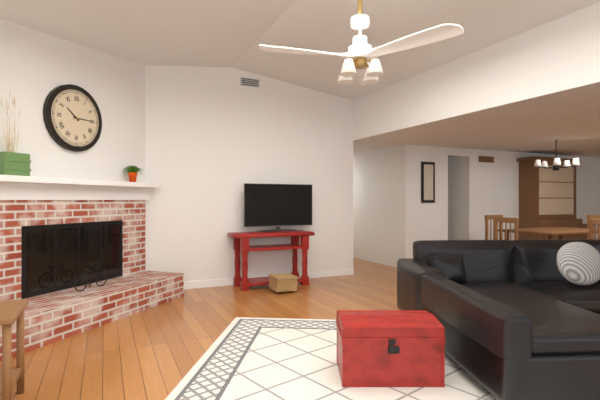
10:15
